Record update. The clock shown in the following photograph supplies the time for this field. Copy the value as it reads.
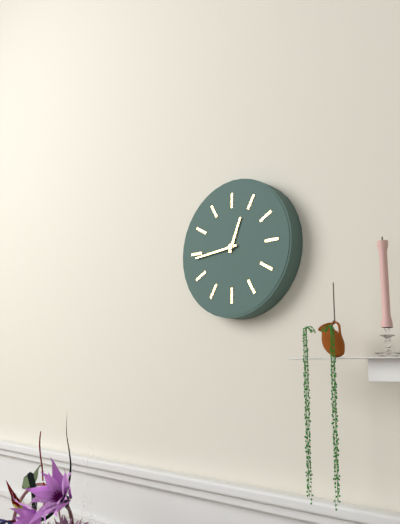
12:44
